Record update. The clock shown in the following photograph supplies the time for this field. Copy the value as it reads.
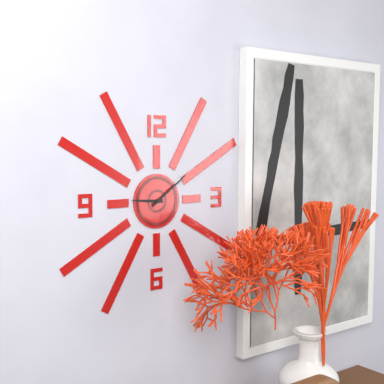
9:09
